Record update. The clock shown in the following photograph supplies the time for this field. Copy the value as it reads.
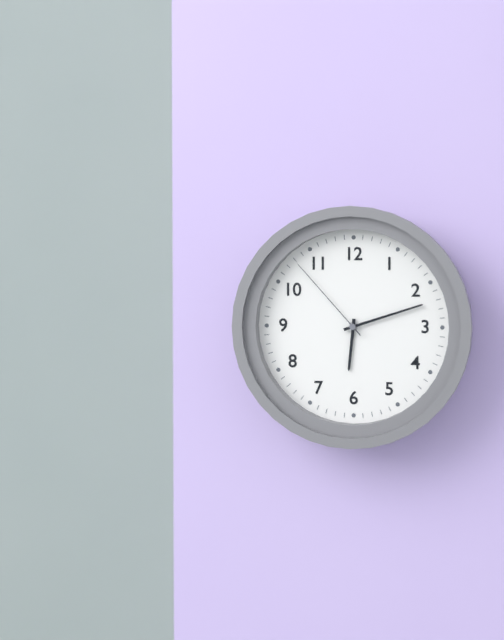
6:12:53
